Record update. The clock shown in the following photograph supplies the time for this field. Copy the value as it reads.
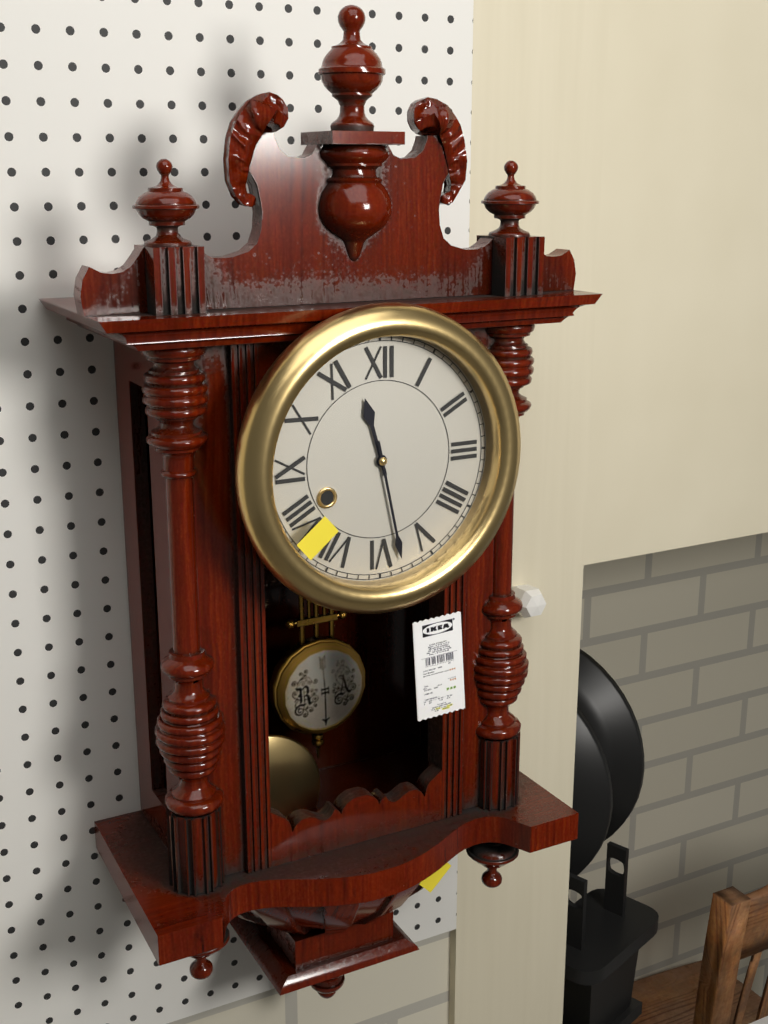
11:28
